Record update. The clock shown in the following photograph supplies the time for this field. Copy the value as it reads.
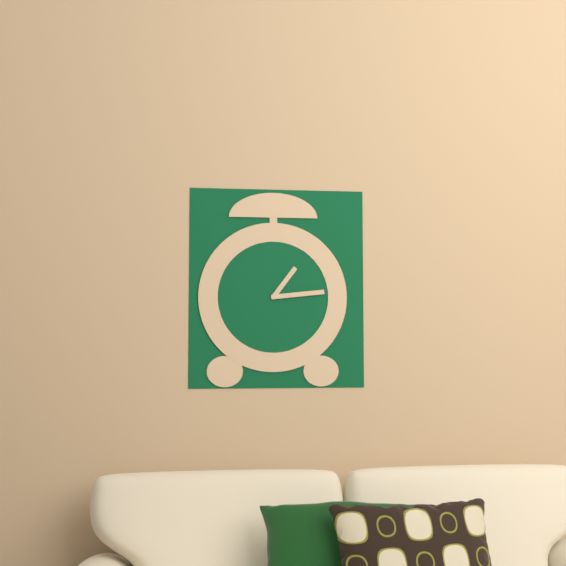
1:14
